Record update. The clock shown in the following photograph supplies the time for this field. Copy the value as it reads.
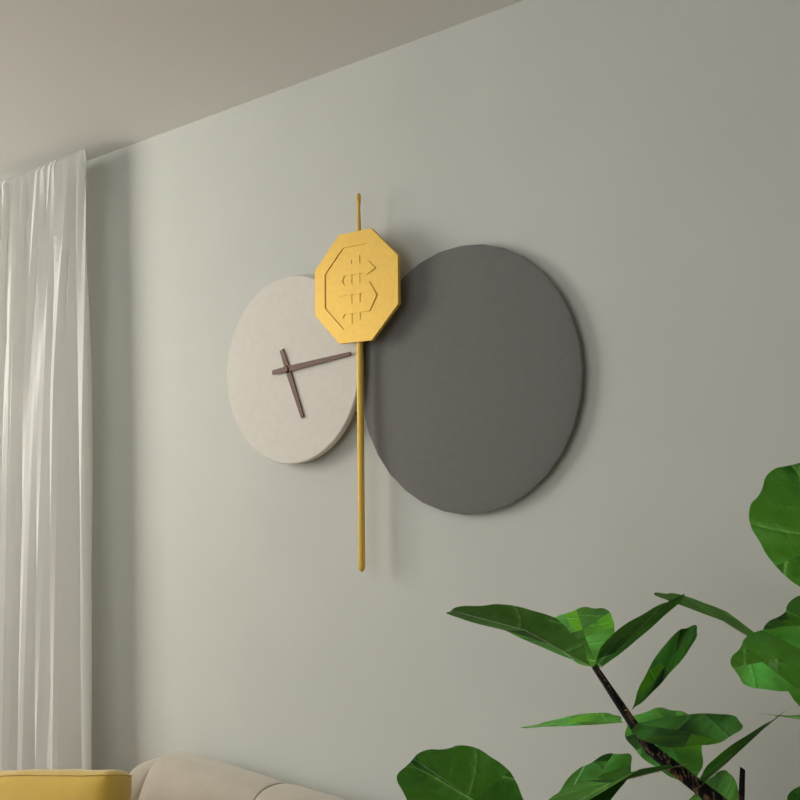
5:14
